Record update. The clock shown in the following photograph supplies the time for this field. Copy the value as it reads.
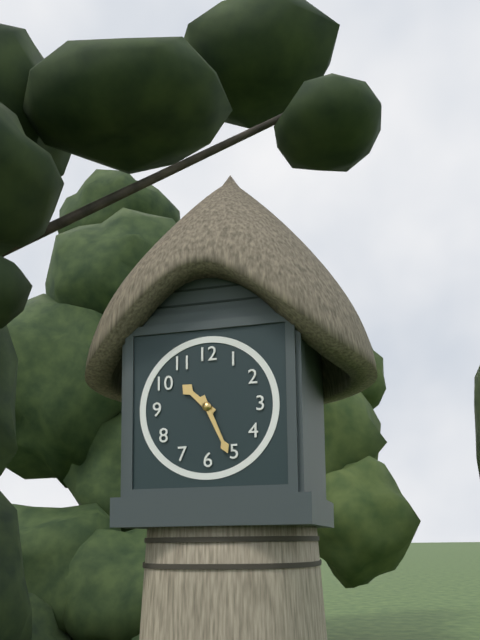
10:26
